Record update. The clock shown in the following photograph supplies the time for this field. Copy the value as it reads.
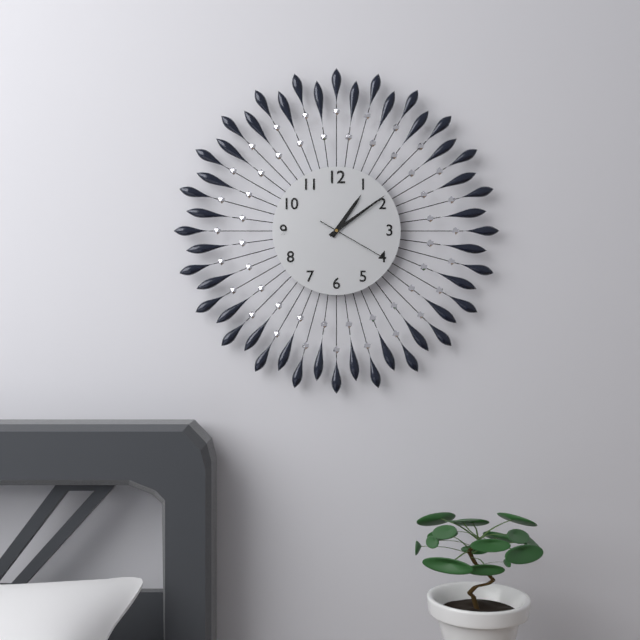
1:09:20
